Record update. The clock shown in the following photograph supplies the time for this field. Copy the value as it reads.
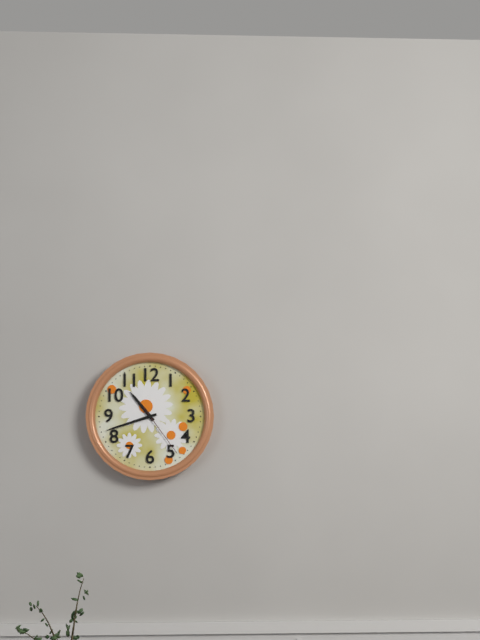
10:42:24
